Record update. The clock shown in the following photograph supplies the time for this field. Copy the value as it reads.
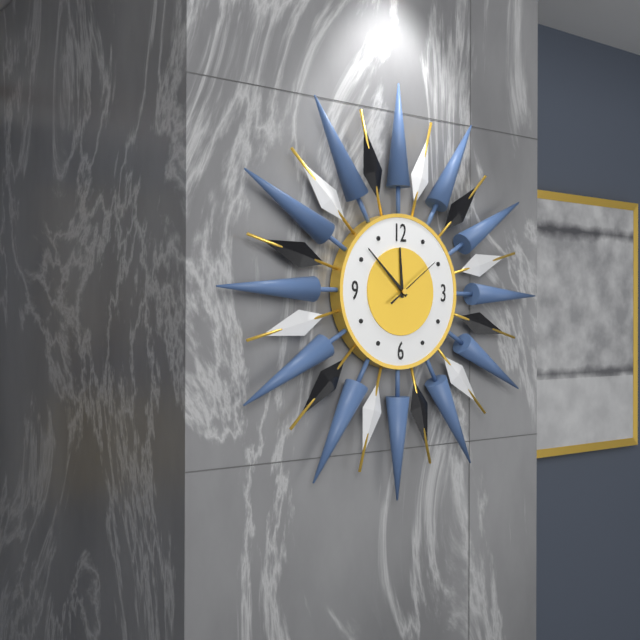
11:52:09
